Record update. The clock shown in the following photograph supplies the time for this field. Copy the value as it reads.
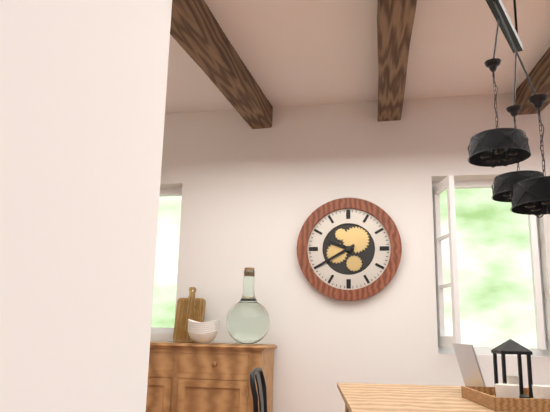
9:40
